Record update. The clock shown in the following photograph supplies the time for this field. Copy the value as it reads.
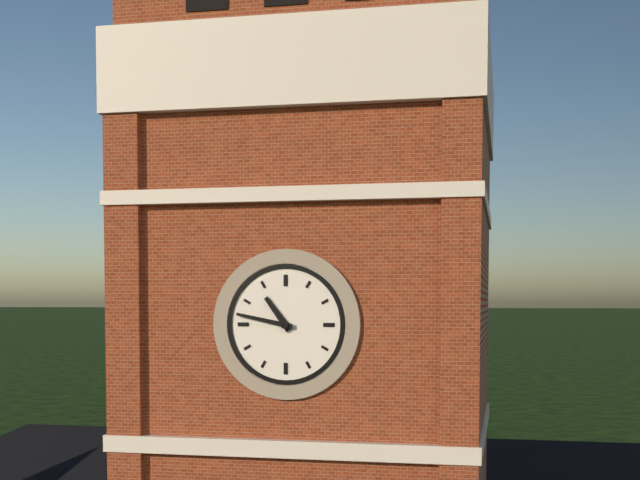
10:47
